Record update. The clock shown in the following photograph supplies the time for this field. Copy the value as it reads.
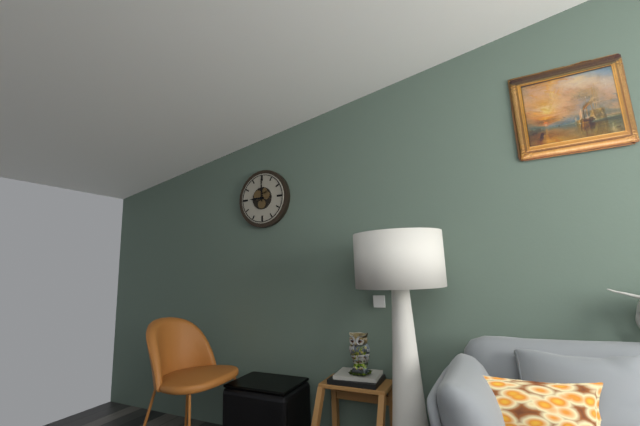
9:00
